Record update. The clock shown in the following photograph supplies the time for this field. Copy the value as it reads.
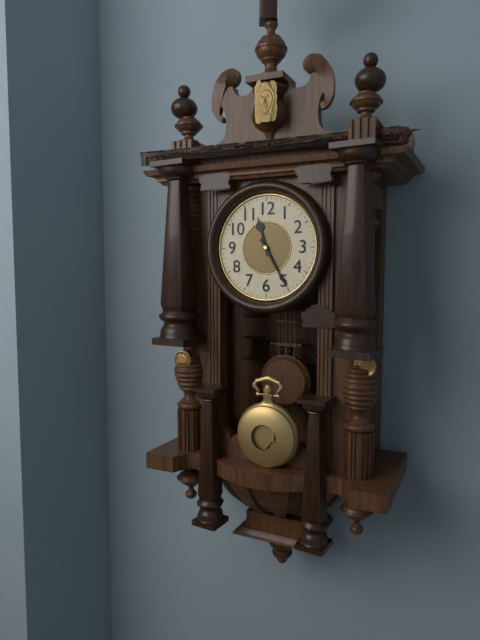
11:25
